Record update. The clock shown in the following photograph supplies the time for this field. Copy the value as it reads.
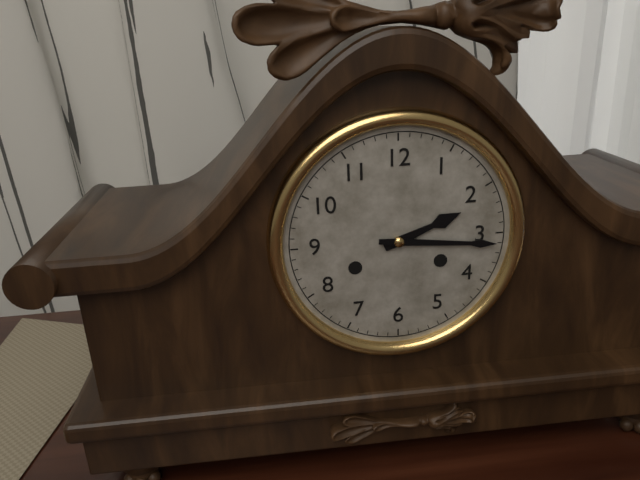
2:16
